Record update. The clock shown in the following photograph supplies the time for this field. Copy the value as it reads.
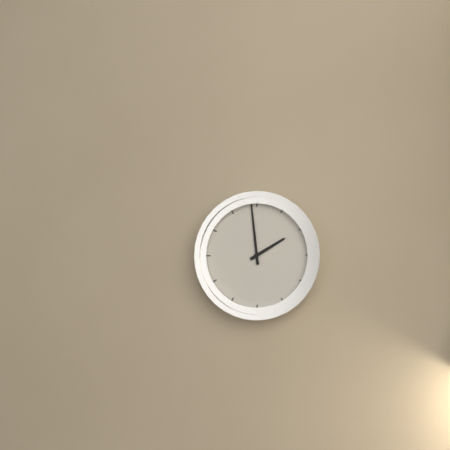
1:59
